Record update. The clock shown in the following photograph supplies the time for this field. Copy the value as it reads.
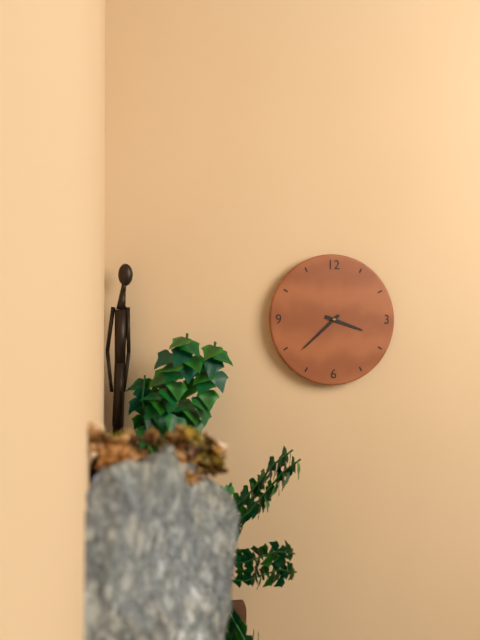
3:38
